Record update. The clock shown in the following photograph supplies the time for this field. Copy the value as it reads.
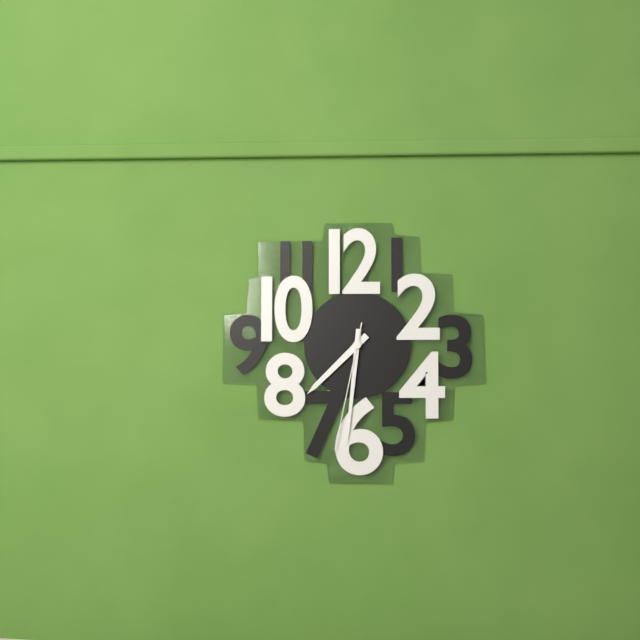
7:31:32
